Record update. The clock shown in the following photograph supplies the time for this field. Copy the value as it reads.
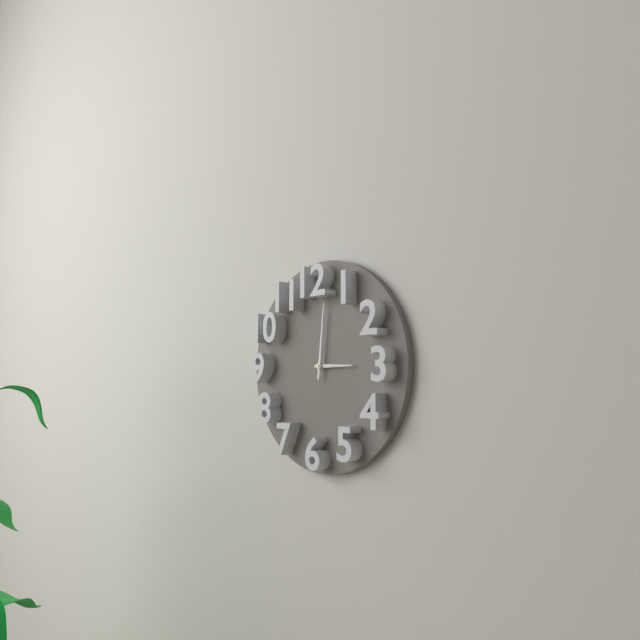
3:01
